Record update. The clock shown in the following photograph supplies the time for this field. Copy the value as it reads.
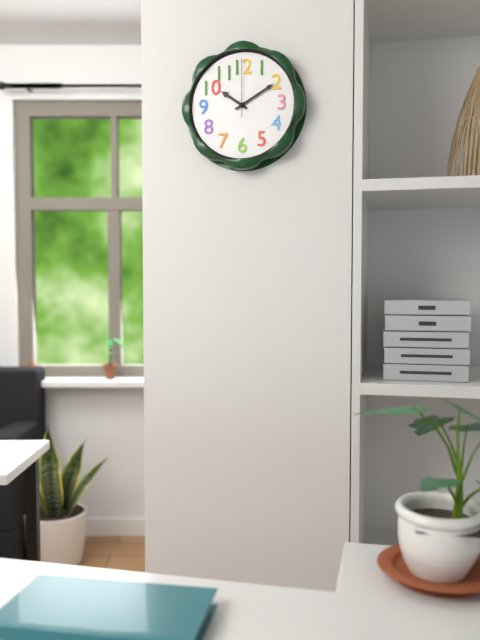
10:10:00
